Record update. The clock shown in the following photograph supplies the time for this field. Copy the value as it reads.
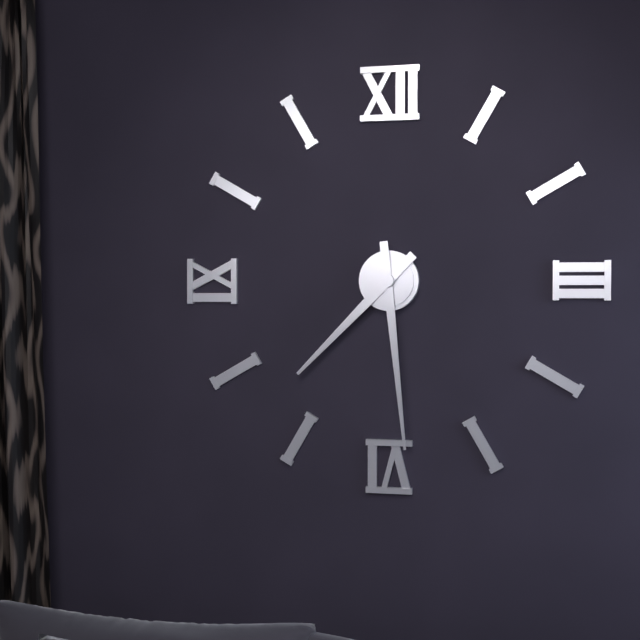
7:29
